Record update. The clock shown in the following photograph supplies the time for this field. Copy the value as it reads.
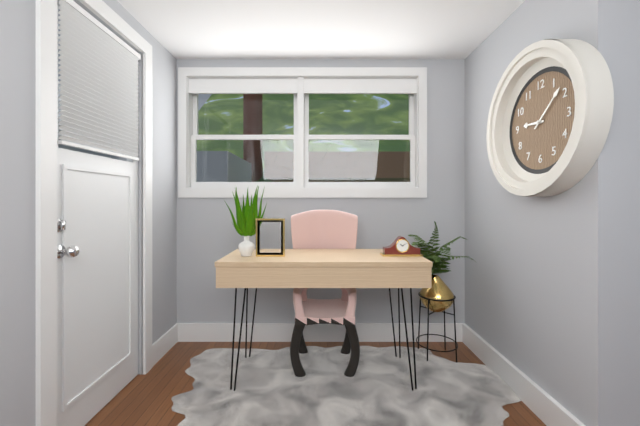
9:08
